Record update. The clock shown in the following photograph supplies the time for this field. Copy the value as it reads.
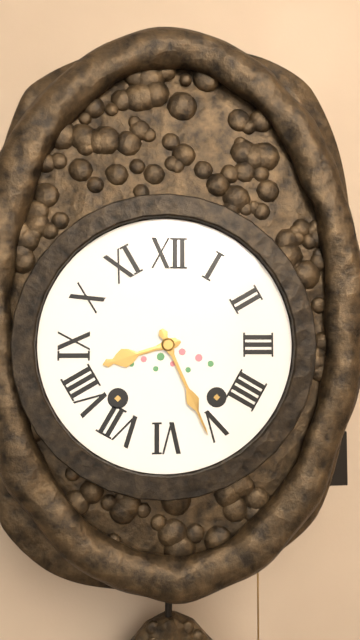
8:26
